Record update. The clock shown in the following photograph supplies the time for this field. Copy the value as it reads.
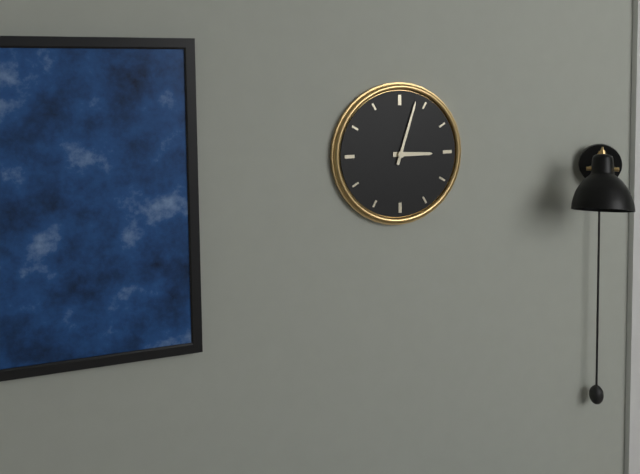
3:03
